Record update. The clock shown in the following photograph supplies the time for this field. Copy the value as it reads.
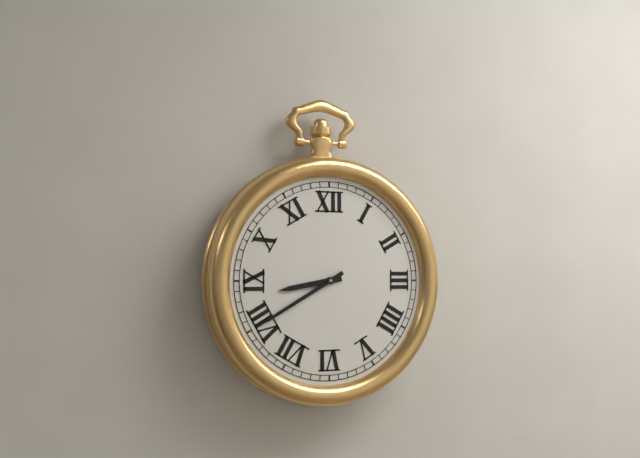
8:40
